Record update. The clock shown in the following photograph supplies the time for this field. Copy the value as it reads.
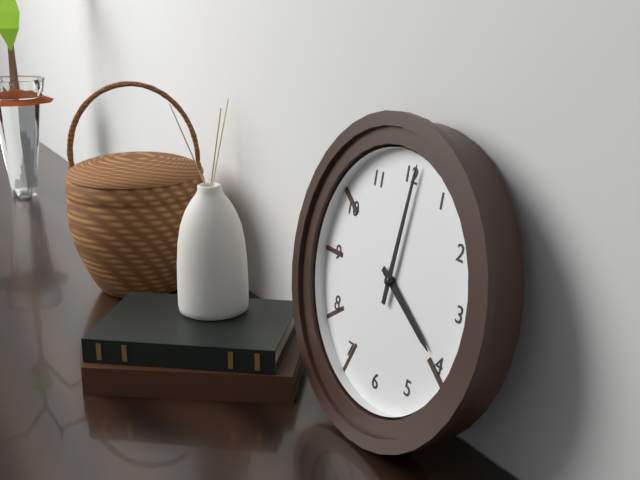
4:01
